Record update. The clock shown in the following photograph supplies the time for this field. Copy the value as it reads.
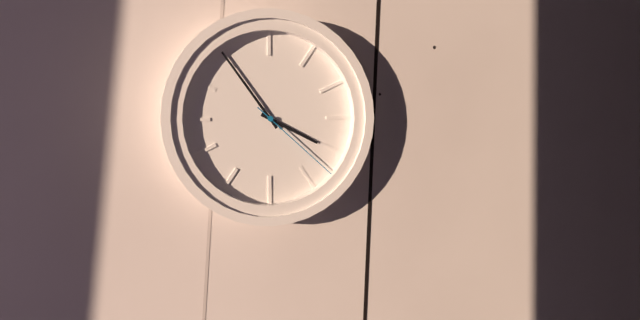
3:54:22
